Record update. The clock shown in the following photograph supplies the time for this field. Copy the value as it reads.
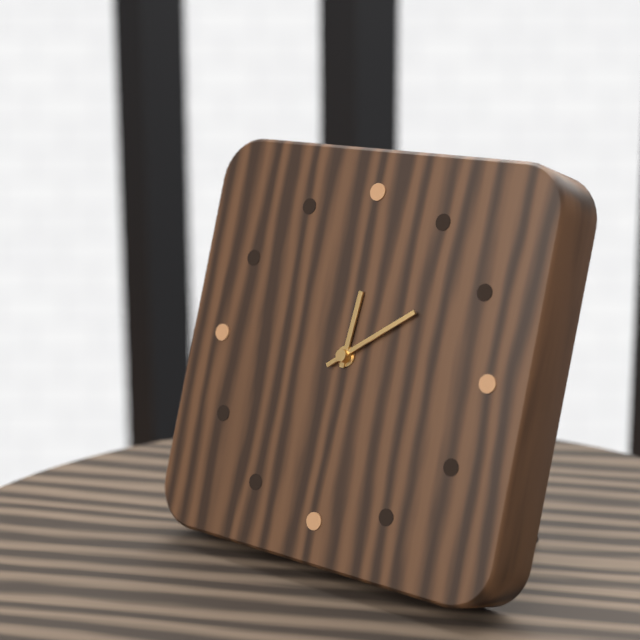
12:09
